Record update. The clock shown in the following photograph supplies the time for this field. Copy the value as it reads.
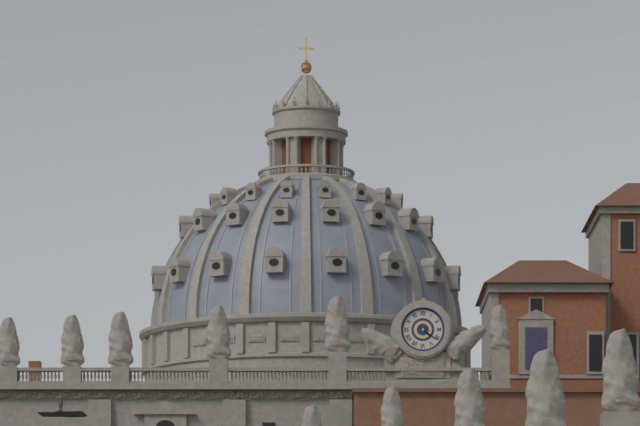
4:21
